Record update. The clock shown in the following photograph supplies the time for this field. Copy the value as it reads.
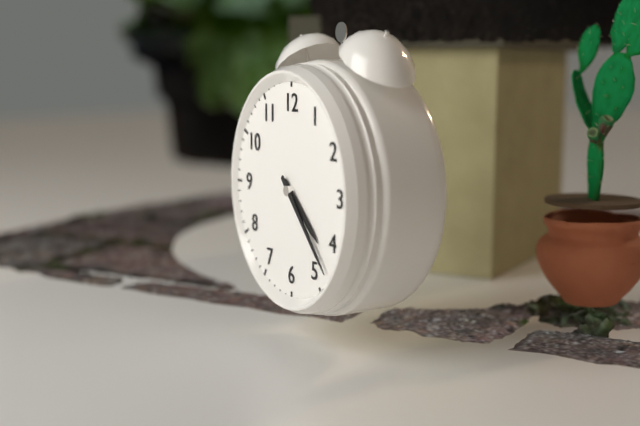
4:23
